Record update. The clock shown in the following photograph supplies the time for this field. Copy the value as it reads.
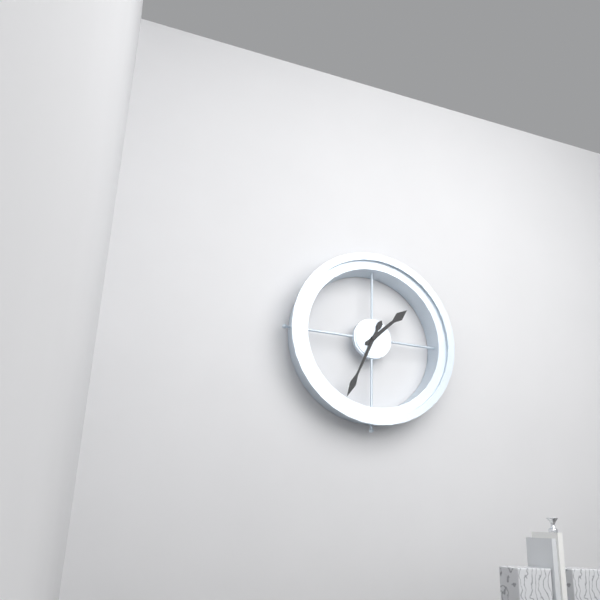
1:34
